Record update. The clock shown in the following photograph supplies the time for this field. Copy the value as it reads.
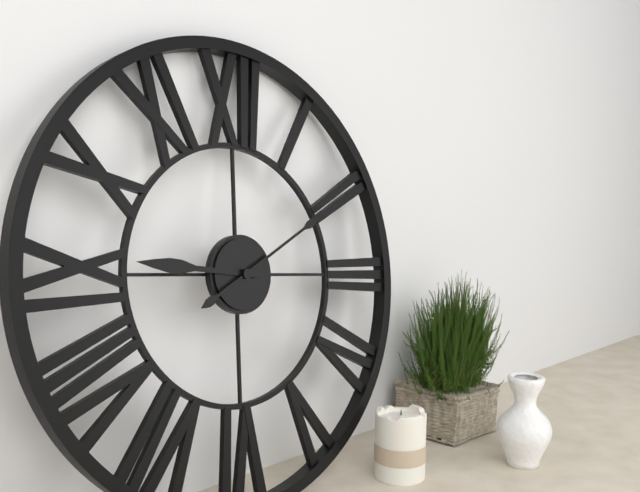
9:10
